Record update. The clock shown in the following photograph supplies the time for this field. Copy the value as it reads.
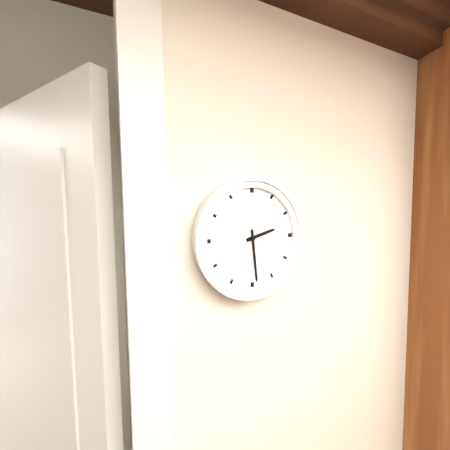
2:29
